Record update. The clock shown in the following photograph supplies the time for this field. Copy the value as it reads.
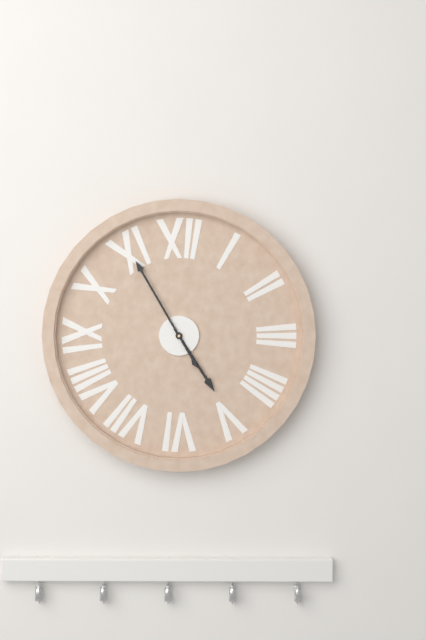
4:55
